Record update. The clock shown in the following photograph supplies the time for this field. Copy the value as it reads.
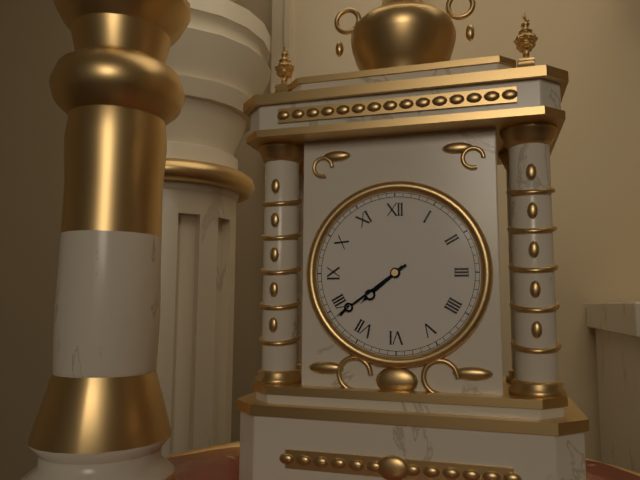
7:39
